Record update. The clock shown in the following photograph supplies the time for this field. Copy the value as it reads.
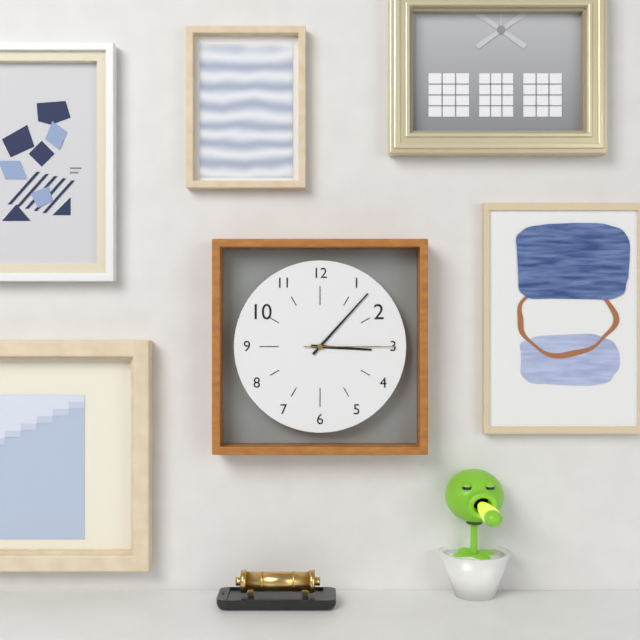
3:07:15
